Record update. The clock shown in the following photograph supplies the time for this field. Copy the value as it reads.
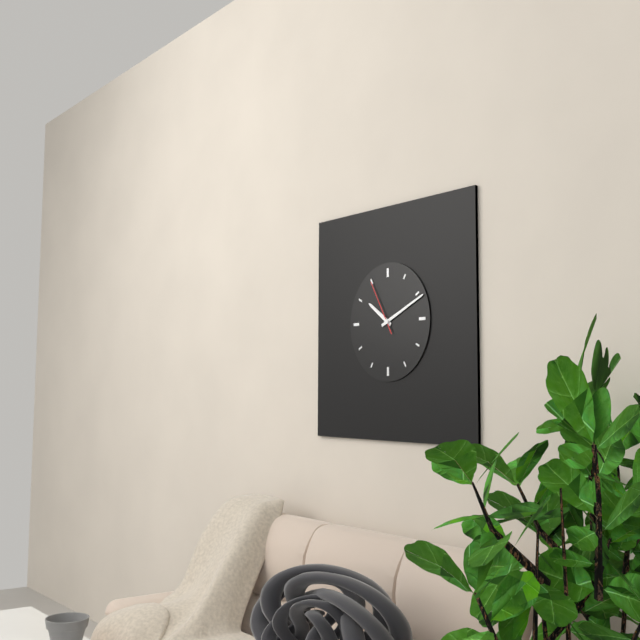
10:11:55
